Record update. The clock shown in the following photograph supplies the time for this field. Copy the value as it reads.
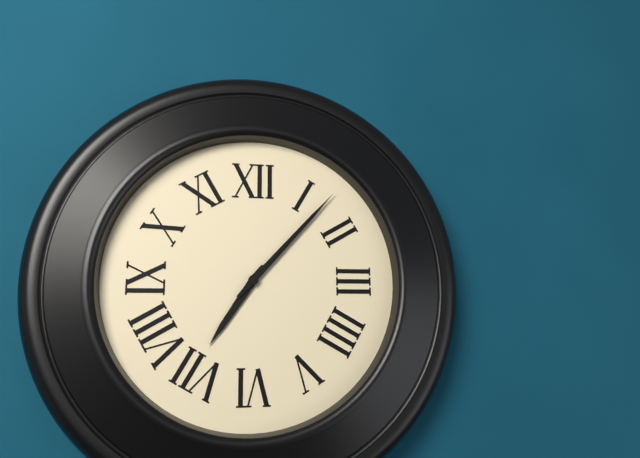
7:07
